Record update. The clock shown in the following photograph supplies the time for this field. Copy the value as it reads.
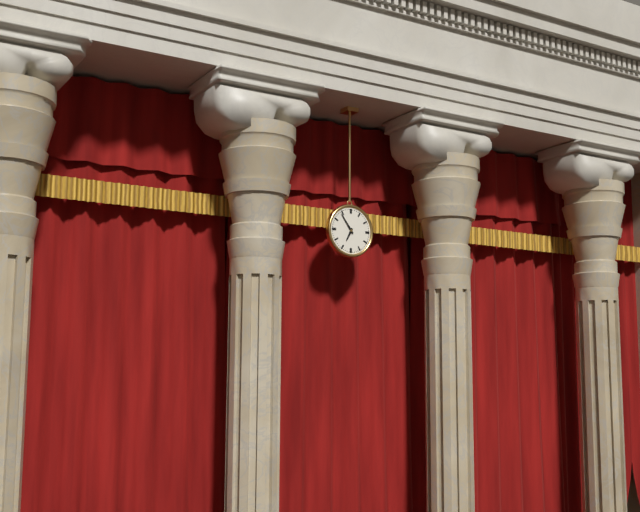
6:54
